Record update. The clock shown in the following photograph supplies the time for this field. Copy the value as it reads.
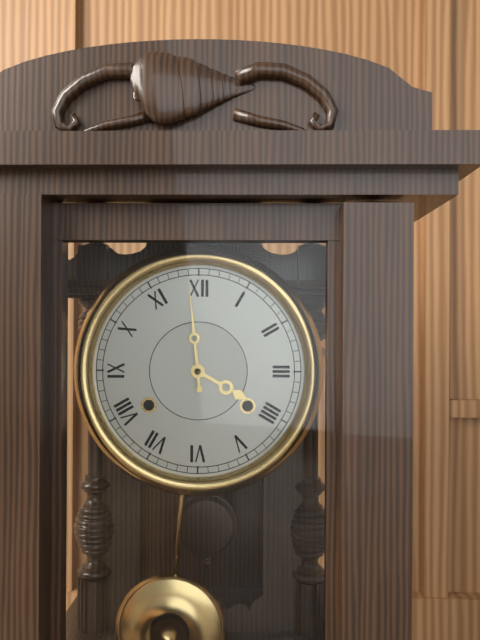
3:59
